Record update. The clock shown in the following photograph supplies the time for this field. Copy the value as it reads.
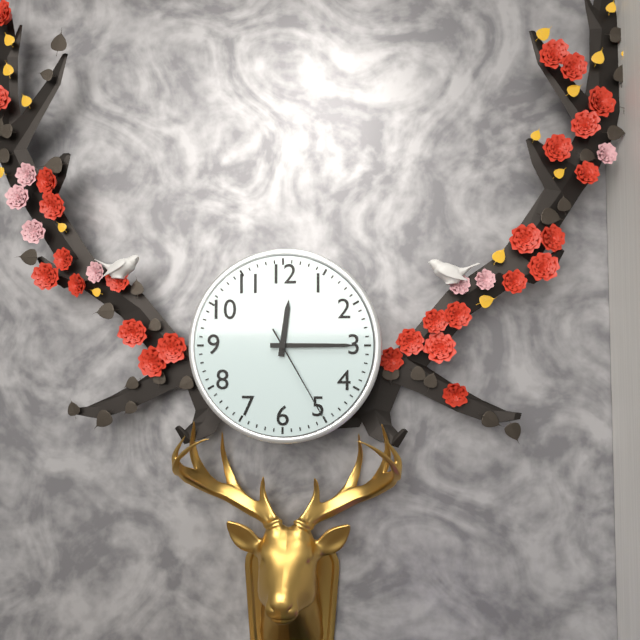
12:15:25
